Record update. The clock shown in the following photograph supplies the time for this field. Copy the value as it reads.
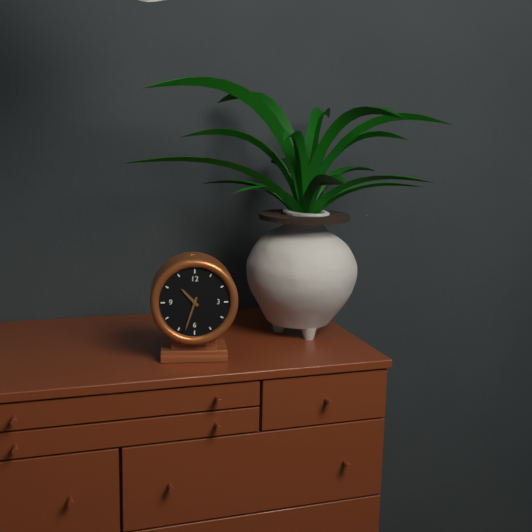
10:33
